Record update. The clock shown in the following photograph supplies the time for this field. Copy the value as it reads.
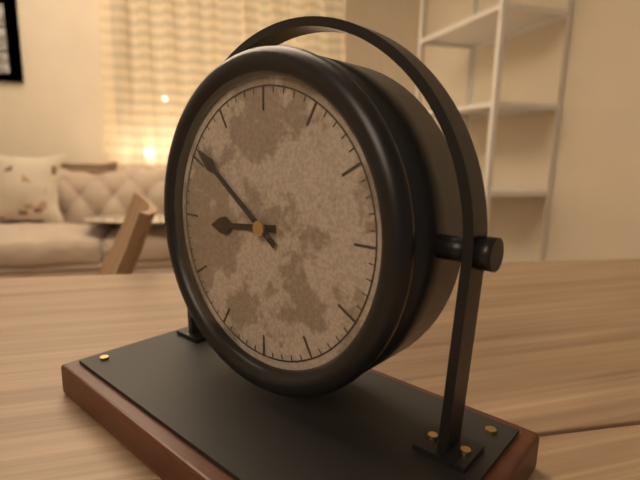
8:51
